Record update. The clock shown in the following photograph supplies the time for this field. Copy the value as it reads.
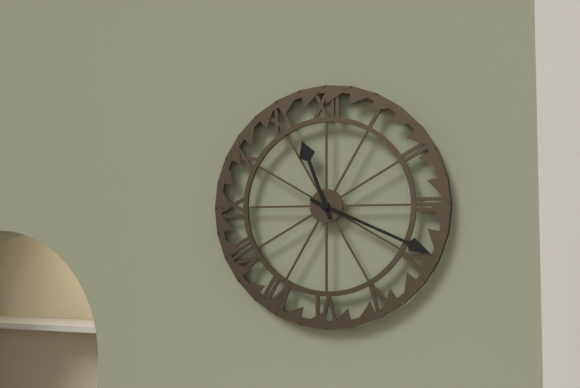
11:19
